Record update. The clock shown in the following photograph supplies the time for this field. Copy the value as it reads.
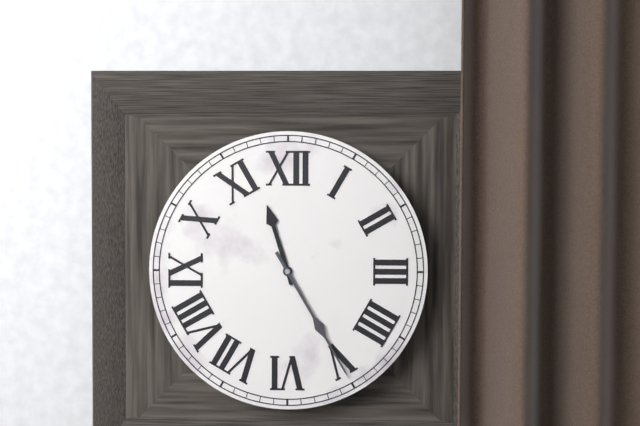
11:25
